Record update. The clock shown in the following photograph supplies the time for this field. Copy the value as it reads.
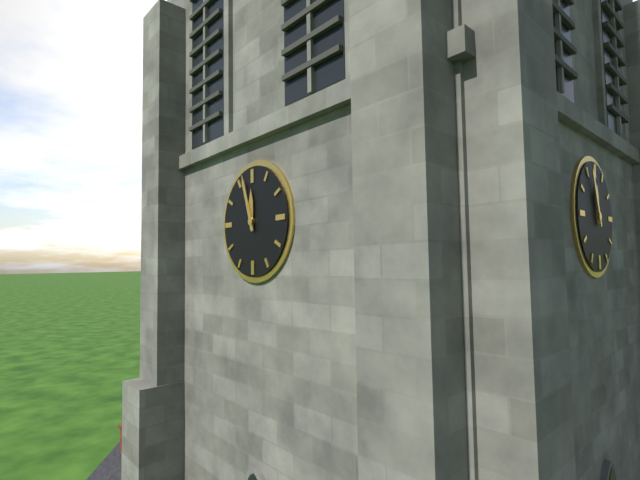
11:57
